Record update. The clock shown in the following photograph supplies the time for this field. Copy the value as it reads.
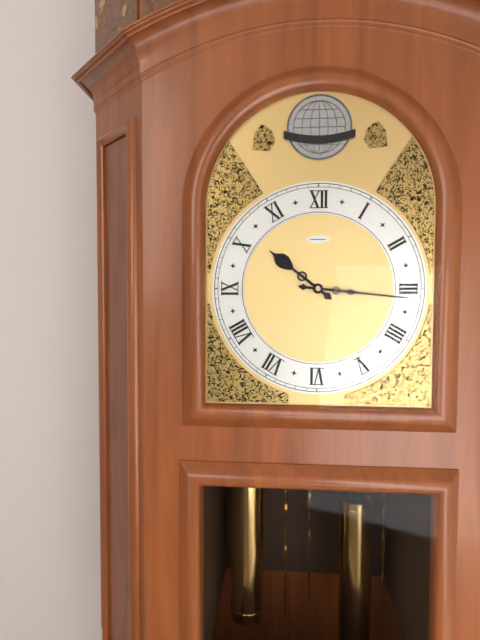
10:16
